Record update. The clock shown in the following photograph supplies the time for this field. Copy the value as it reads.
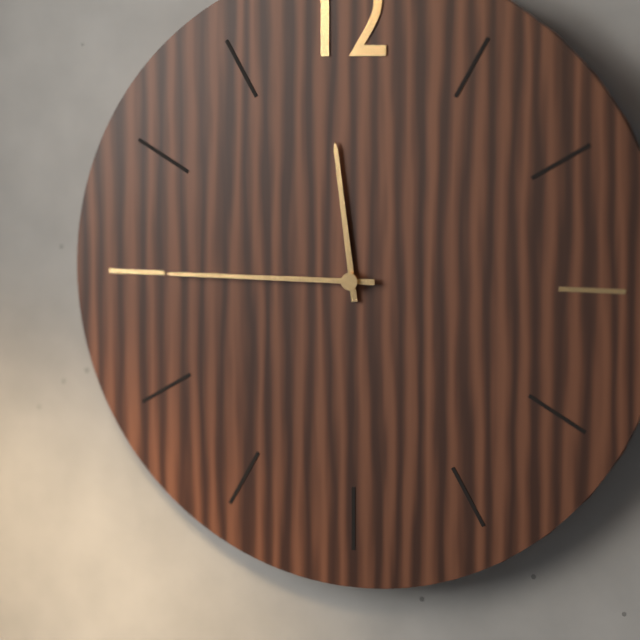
11:45
